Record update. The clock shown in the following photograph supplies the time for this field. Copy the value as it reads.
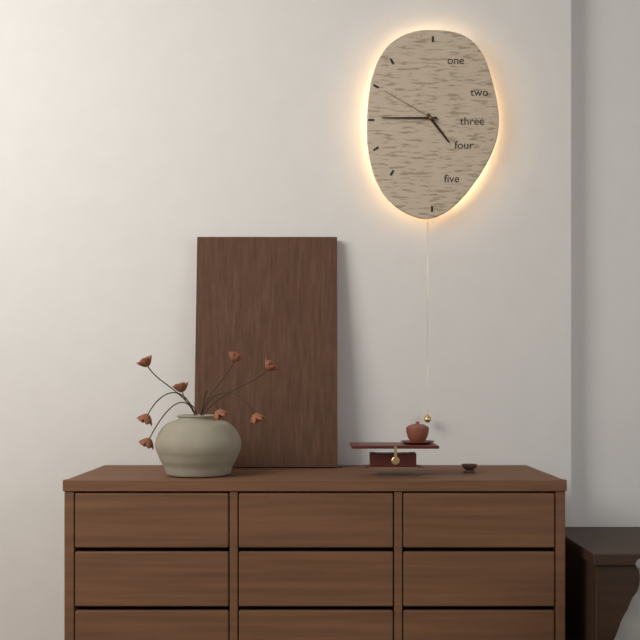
4:45:50
